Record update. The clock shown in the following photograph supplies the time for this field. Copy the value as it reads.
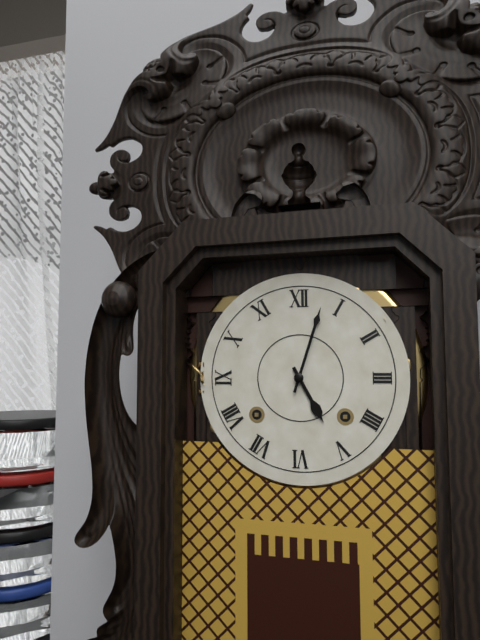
5:03
